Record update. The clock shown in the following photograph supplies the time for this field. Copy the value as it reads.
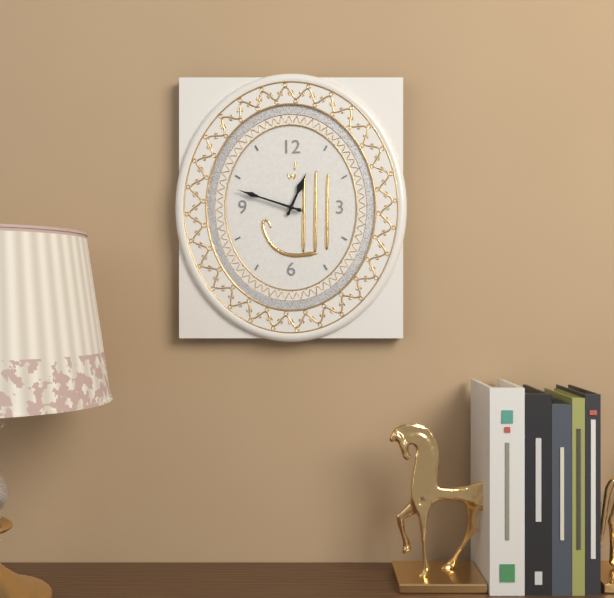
12:48
